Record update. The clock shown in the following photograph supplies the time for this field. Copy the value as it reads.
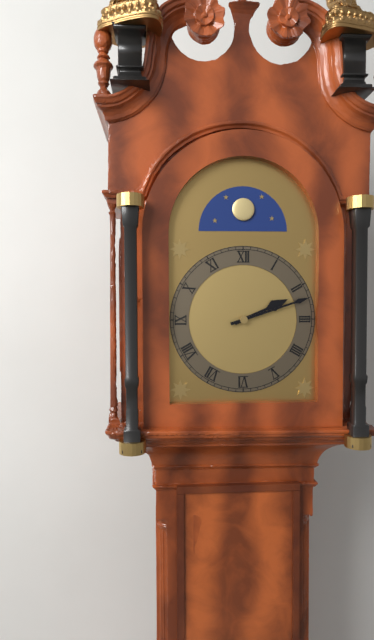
2:12
